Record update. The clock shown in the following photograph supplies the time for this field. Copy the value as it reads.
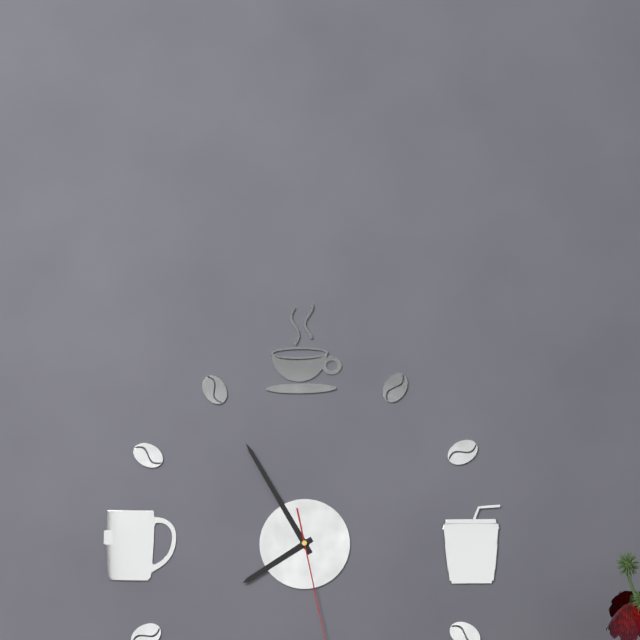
7:55
